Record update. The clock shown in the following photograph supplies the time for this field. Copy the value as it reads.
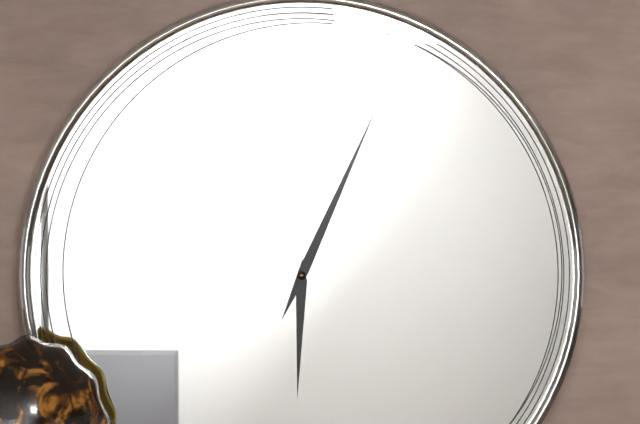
6:04
